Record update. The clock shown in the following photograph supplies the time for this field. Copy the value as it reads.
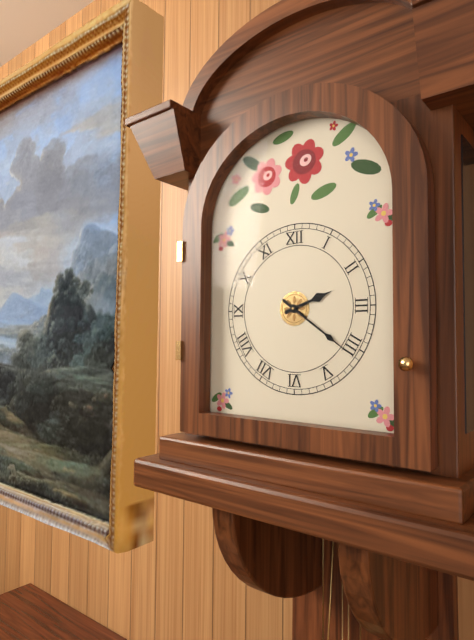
2:21
